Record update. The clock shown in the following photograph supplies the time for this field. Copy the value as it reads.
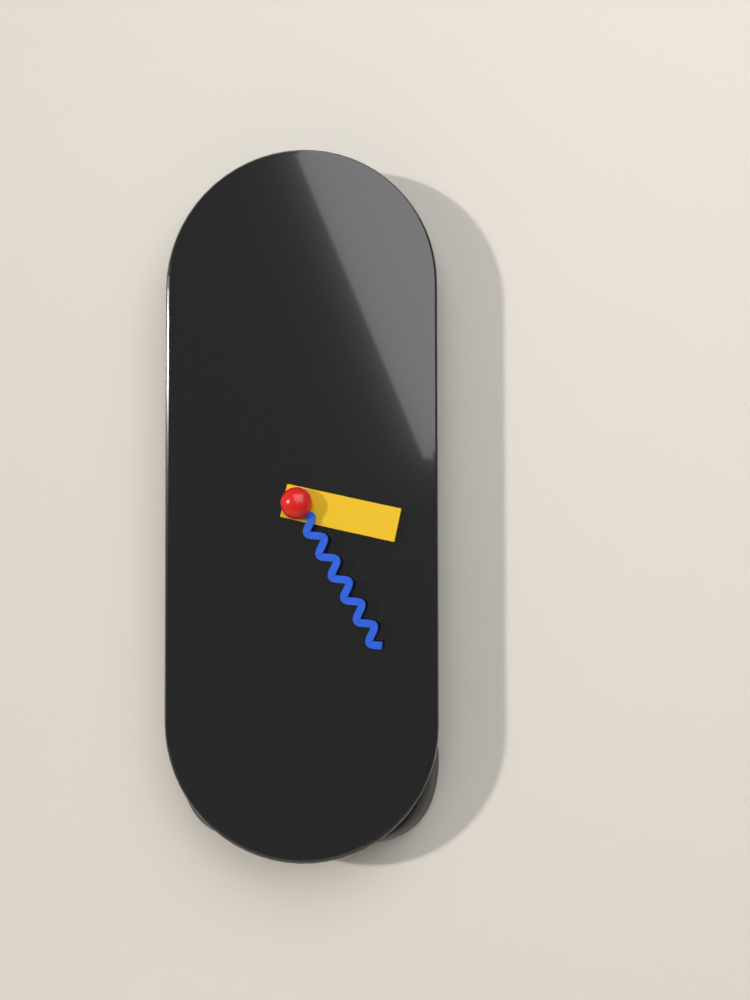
3:25
